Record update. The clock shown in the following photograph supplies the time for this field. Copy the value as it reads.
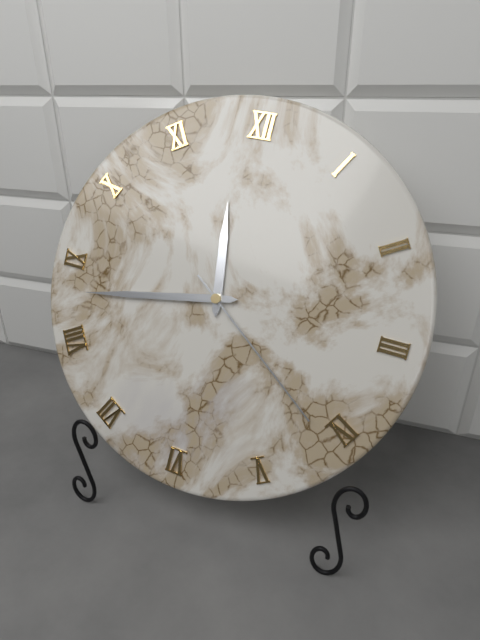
11:43:21
